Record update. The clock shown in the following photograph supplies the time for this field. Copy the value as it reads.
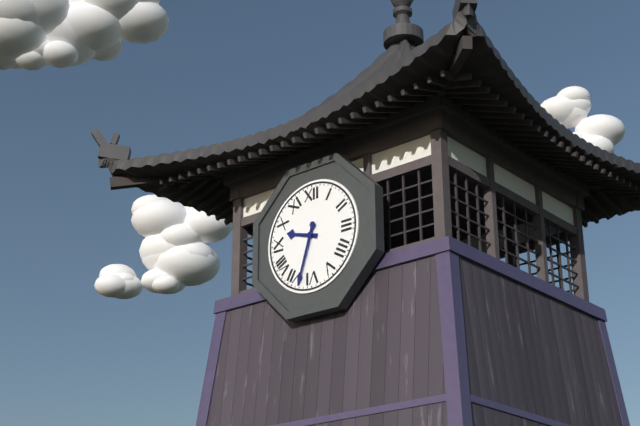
9:33
